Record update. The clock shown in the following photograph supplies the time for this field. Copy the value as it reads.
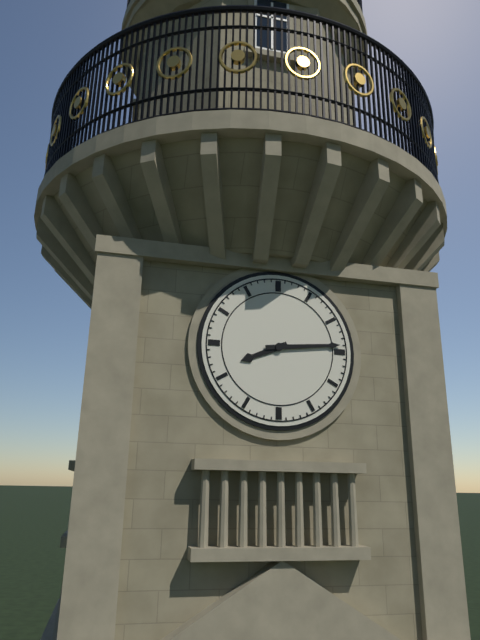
8:14
